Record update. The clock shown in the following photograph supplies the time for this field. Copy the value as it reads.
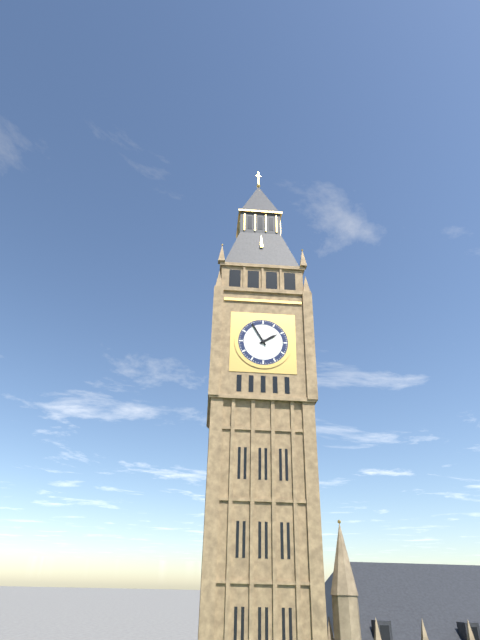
1:55
